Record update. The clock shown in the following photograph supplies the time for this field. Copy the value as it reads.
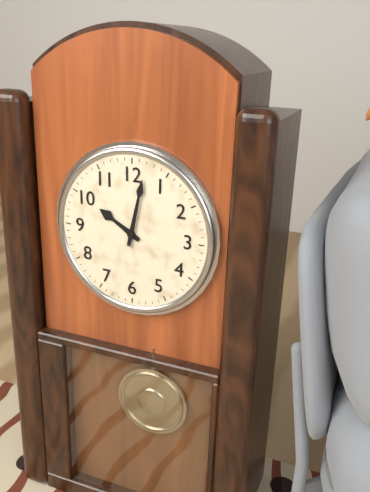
10:02
